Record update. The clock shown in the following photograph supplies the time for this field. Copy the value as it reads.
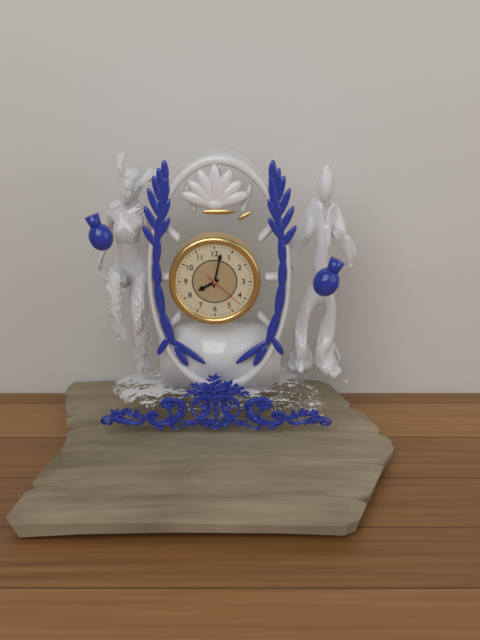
8:02
